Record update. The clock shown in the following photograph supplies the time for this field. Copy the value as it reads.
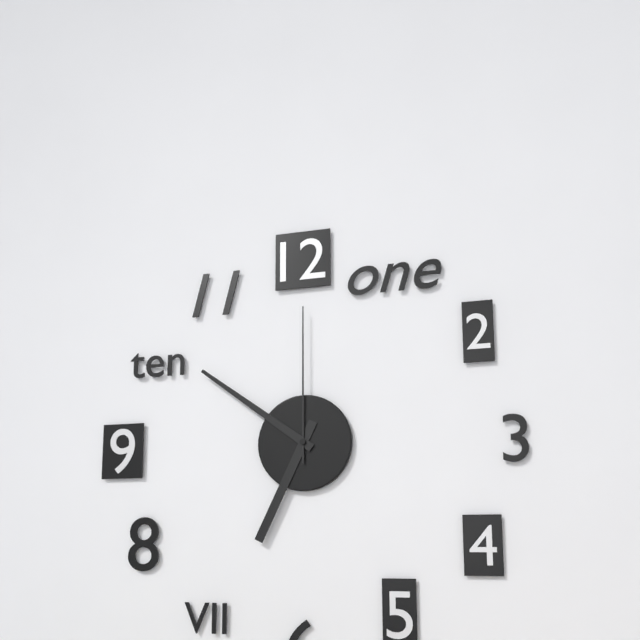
6:51:00
